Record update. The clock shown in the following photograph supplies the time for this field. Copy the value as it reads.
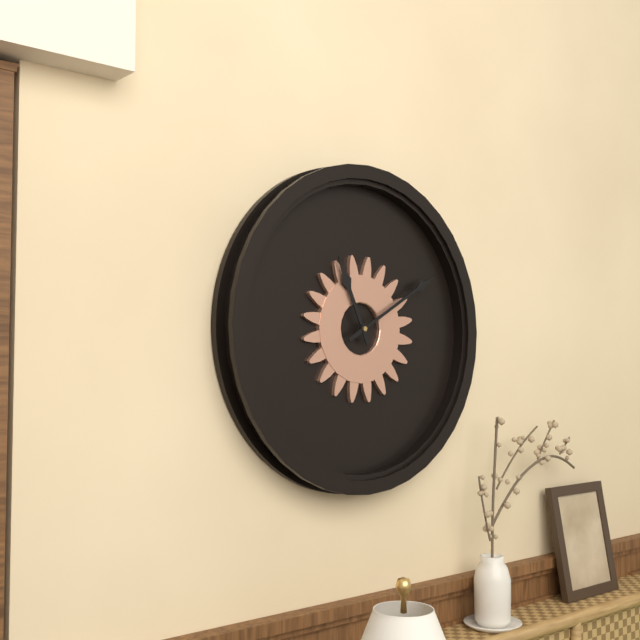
11:10
